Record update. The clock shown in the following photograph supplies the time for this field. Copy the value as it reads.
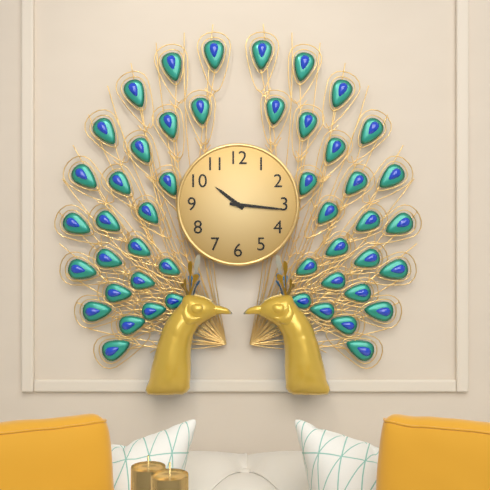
10:16
